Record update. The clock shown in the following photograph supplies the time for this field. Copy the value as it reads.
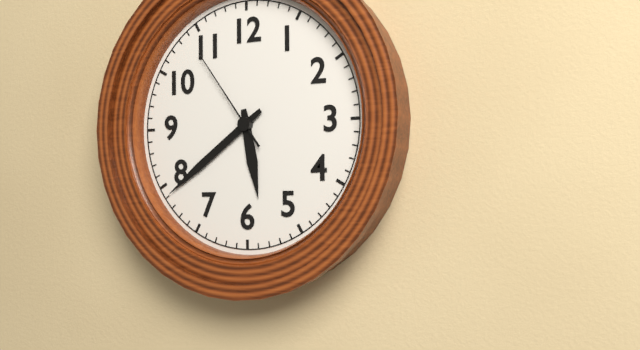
5:39:54
